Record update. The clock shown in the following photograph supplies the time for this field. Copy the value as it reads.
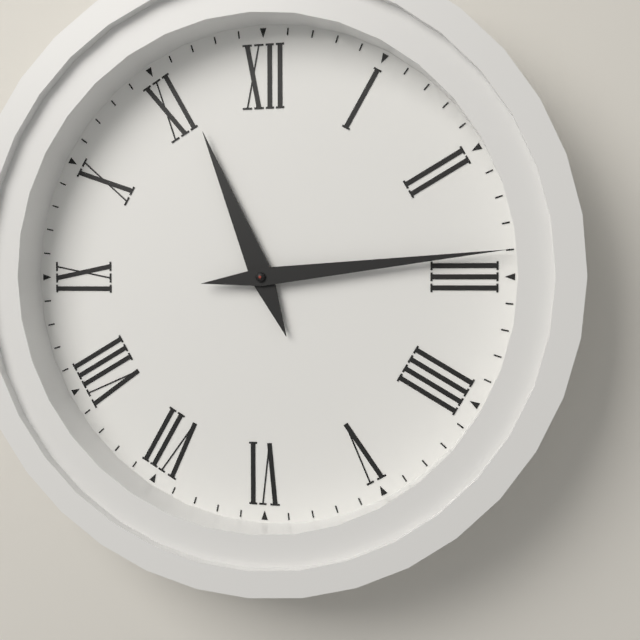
11:14
